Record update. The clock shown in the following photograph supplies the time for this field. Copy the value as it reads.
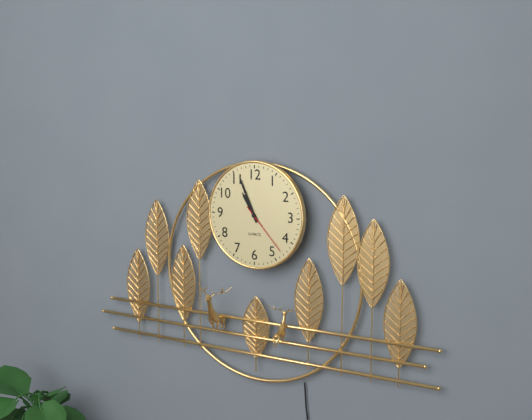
10:56:23
